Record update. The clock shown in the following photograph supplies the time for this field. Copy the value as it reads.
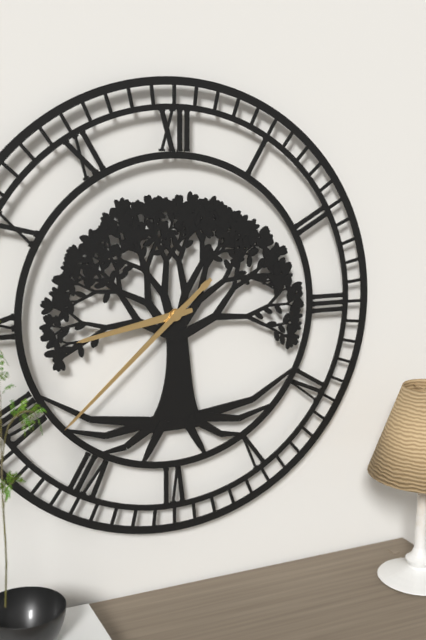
8:38
